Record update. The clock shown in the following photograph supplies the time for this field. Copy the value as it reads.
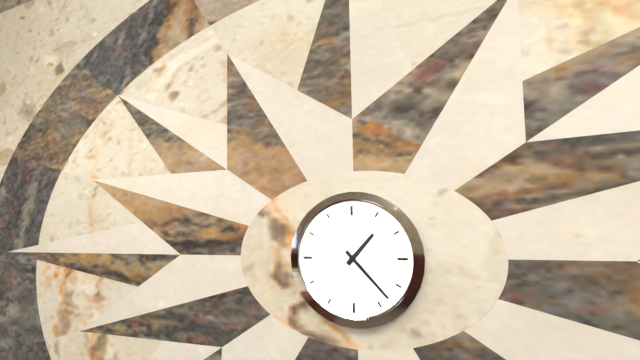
1:23
